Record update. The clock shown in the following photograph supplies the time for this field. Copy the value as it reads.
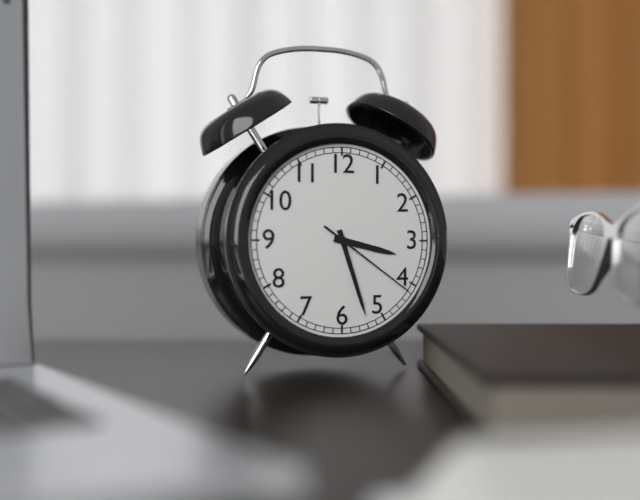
3:27:21
